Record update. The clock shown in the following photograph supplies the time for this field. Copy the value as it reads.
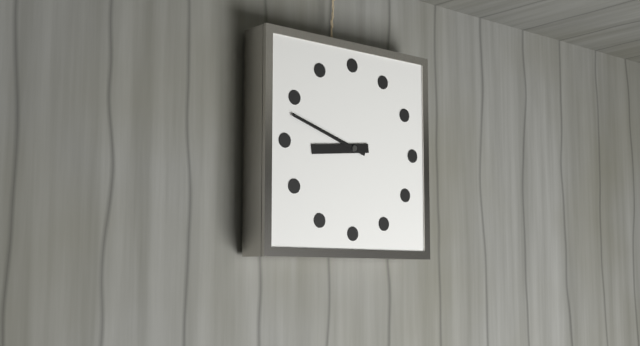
8:48
